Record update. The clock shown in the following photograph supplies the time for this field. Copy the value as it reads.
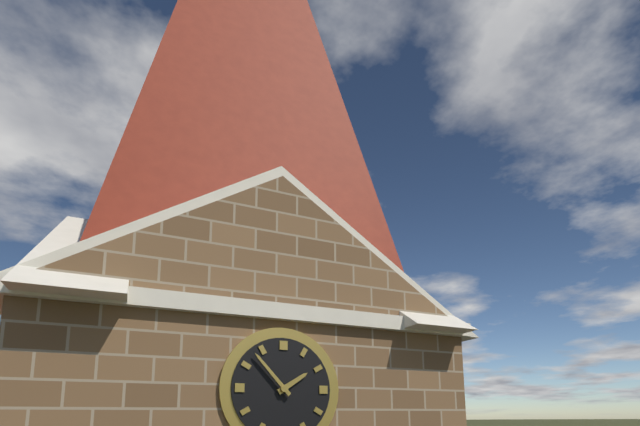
1:53
